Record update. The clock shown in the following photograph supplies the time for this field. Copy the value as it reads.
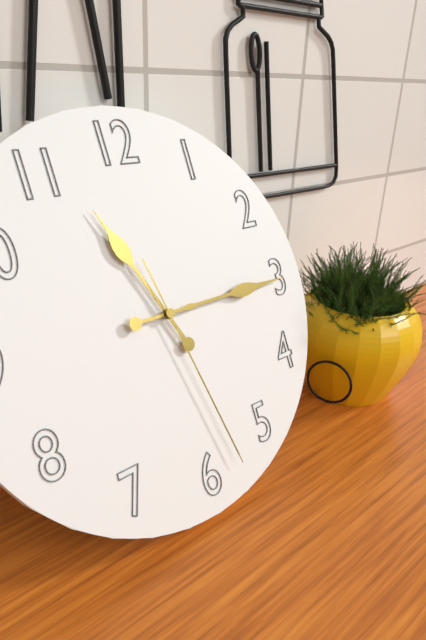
11:15:28
